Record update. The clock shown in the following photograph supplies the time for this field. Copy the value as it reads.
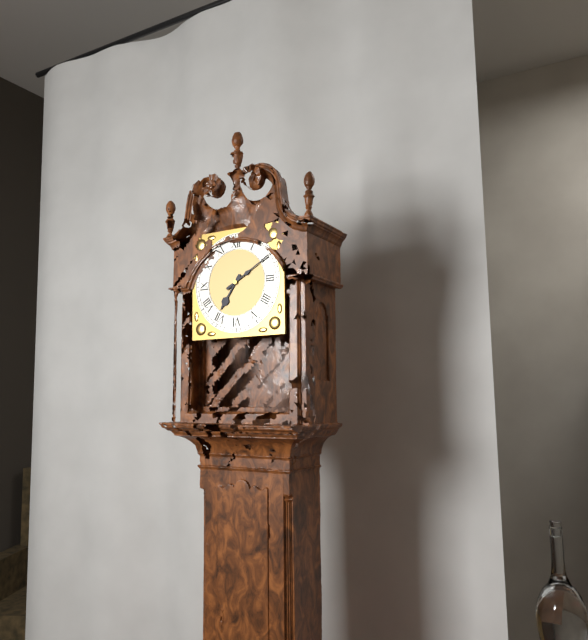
7:10
